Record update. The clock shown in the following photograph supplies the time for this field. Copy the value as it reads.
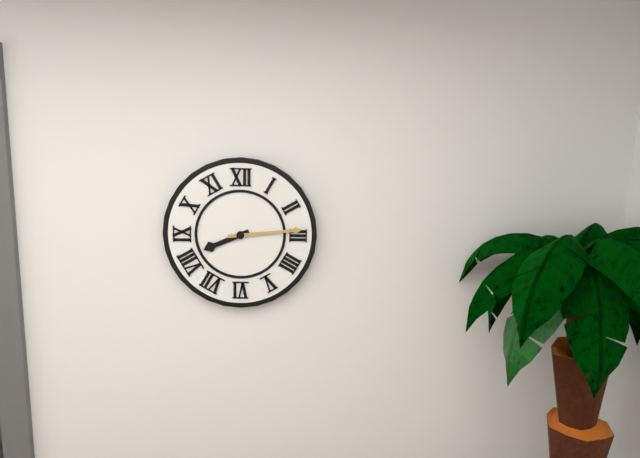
8:14
